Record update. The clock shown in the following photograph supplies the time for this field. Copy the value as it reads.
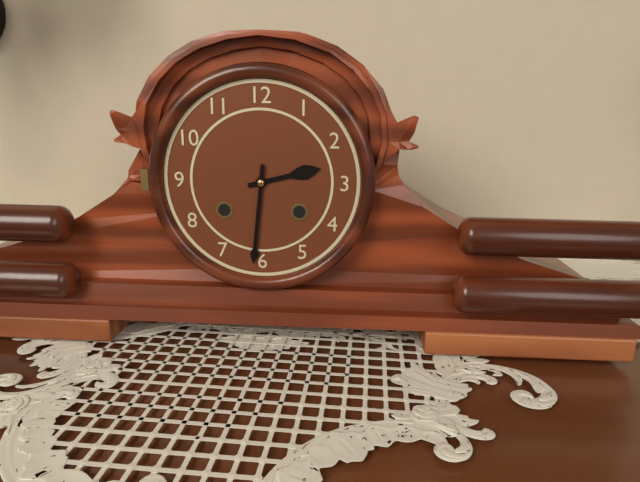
2:31
